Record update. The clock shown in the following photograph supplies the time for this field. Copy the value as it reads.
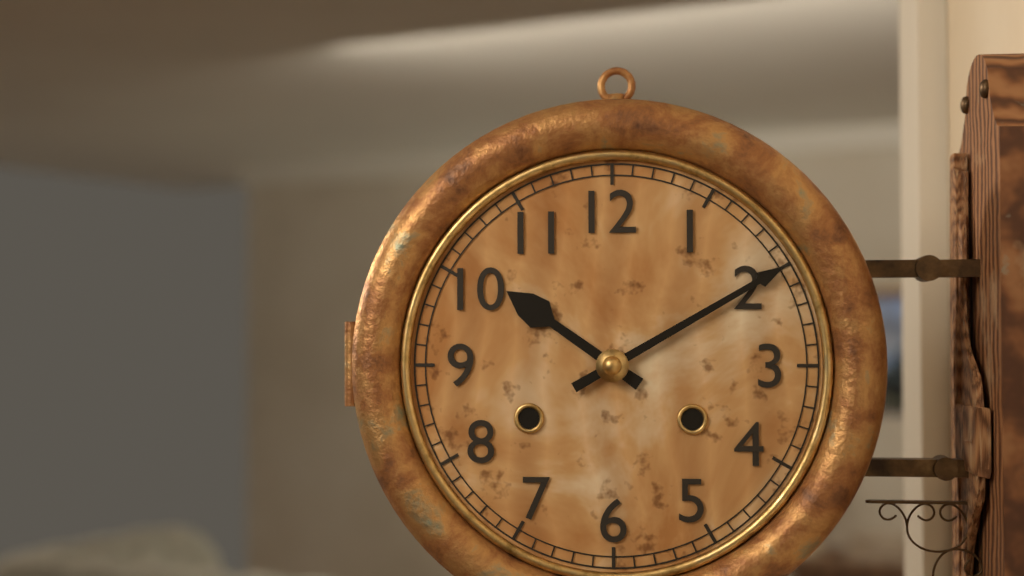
10:10
